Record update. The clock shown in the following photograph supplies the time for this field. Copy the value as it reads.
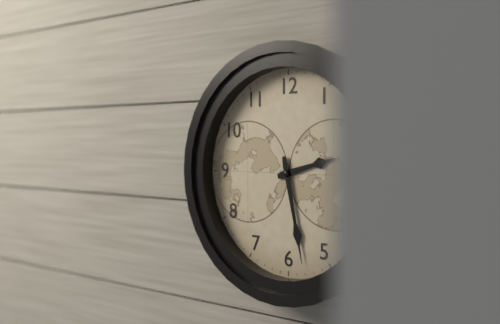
2:28
